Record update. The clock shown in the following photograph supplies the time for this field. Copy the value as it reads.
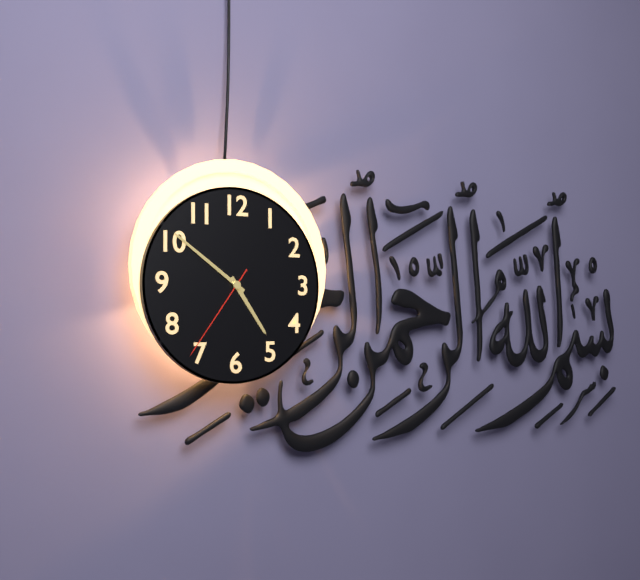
4:51:36
